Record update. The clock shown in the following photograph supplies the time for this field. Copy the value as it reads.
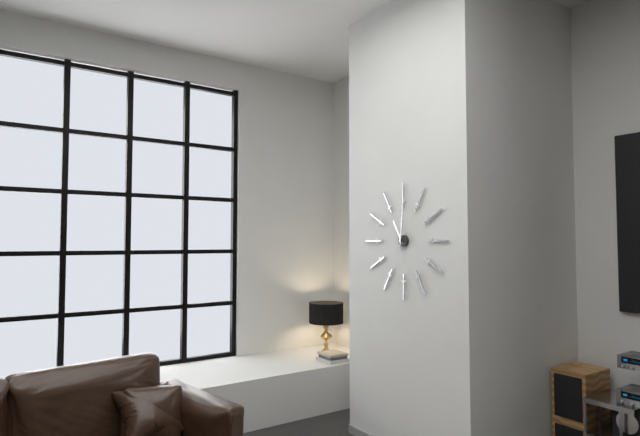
11:01
